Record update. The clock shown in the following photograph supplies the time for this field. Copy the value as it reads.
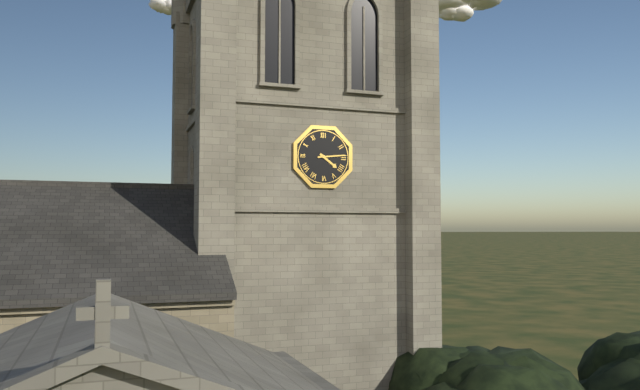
4:14
